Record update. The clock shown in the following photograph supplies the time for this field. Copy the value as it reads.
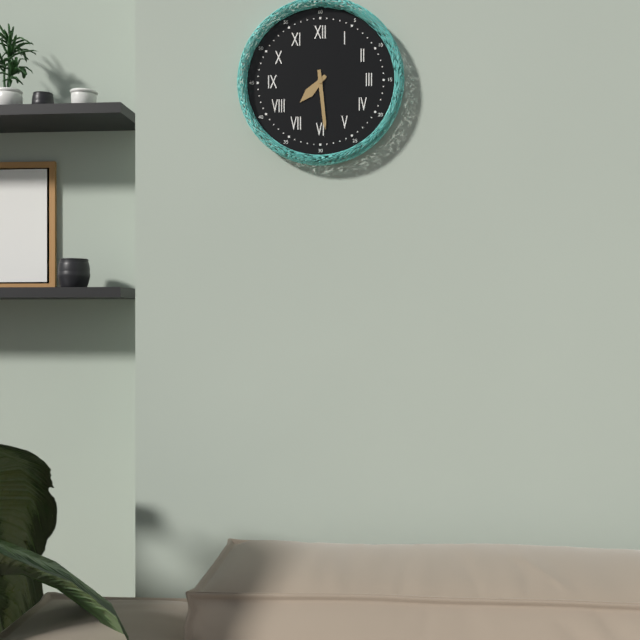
7:29
